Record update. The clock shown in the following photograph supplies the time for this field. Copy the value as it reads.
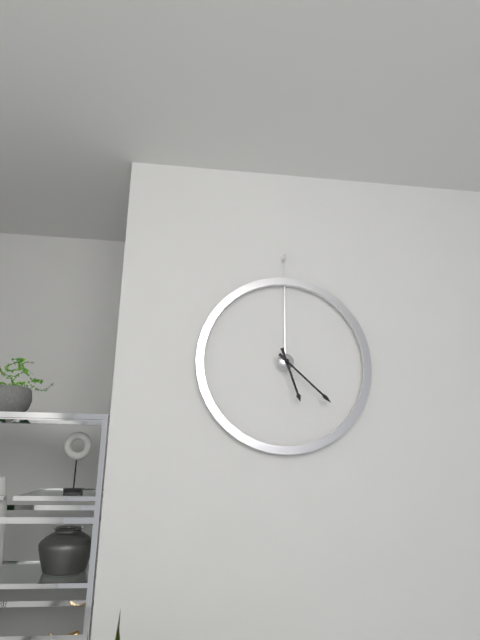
5:22
